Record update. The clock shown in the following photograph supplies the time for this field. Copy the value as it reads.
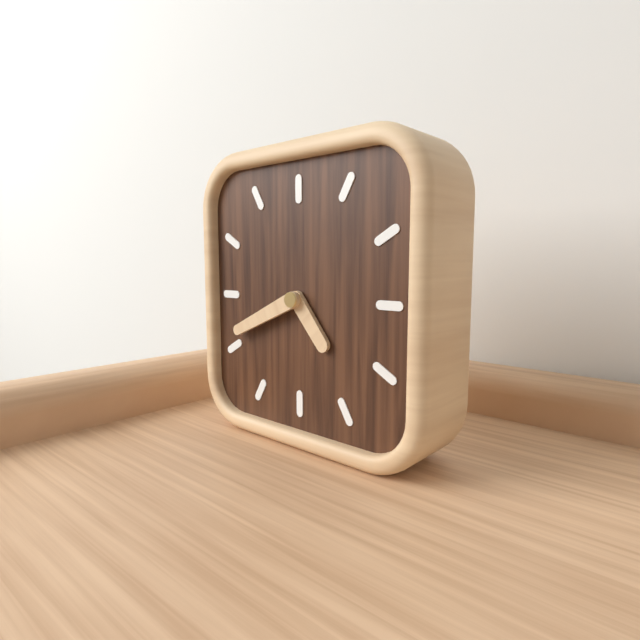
4:41
